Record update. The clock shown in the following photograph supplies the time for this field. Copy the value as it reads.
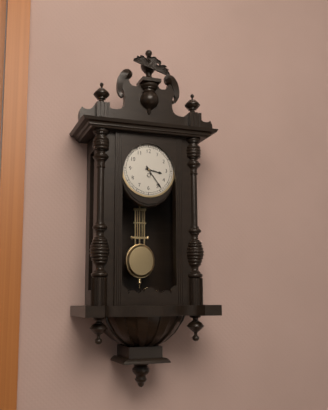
3:24
